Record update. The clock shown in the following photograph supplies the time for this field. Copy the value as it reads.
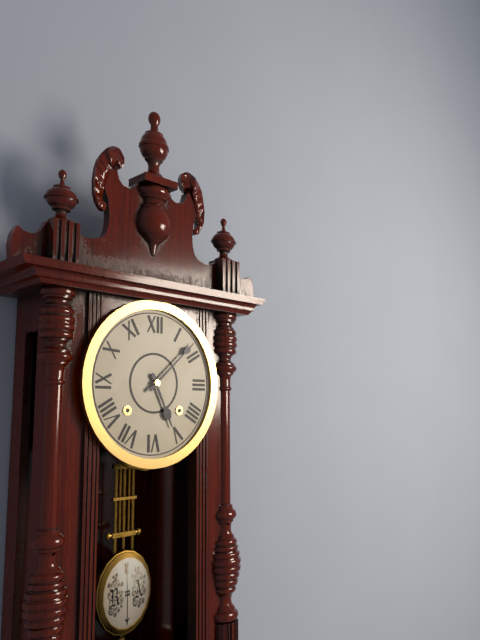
5:08
